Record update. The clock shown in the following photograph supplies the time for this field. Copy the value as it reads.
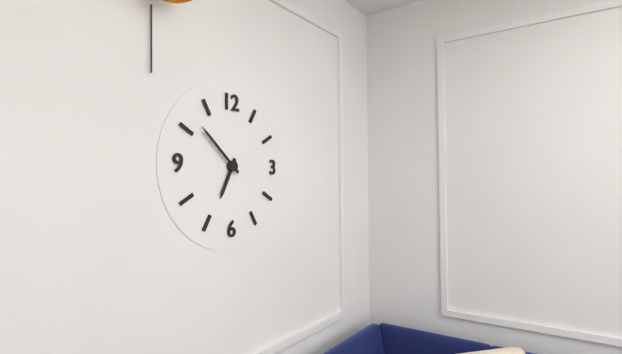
6:52
